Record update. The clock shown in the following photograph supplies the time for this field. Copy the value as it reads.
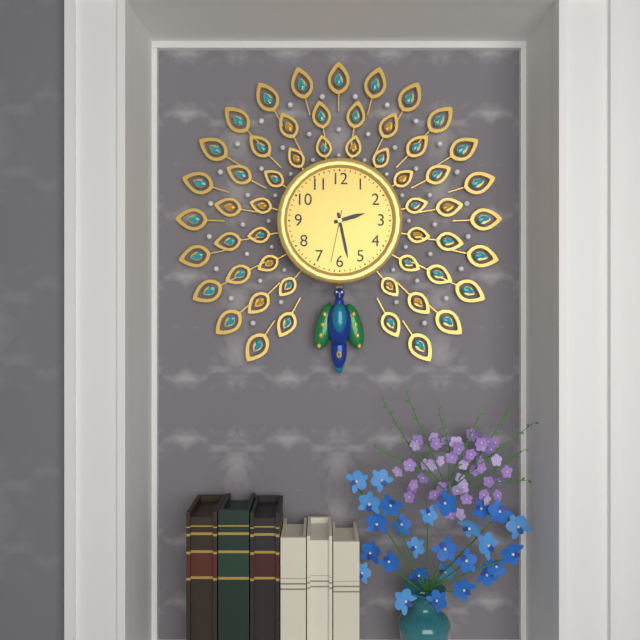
2:28:32
